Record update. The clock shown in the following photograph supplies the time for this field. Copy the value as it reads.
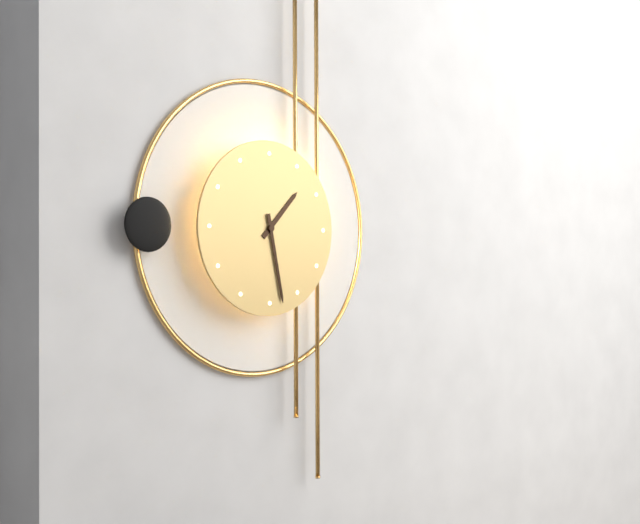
1:28
